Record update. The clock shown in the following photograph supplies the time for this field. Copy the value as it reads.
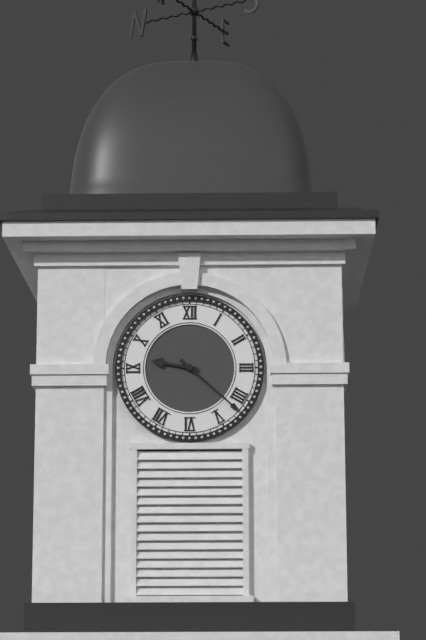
9:22
